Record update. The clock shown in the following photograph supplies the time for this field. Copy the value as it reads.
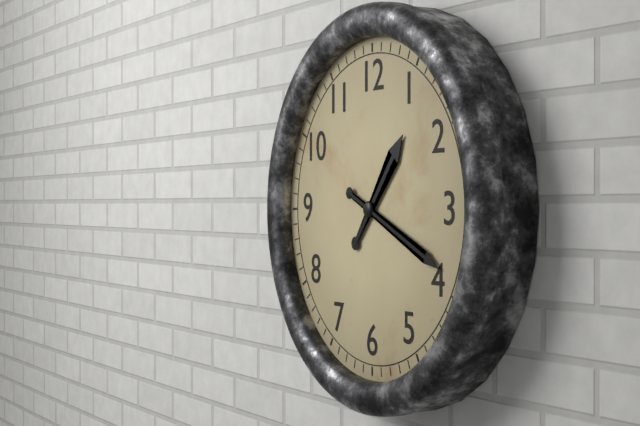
1:19
